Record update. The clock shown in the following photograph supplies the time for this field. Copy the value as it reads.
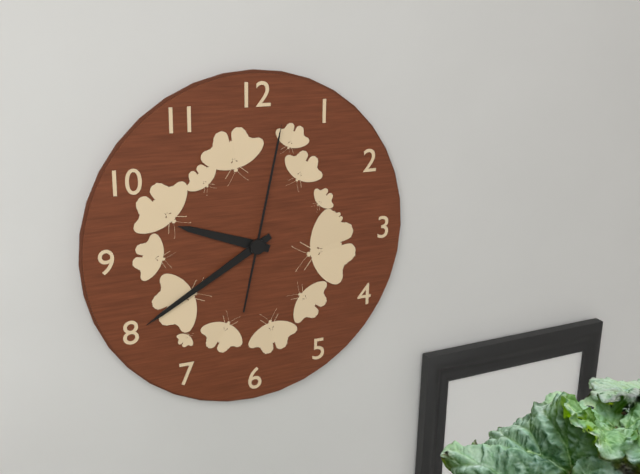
9:40:02
